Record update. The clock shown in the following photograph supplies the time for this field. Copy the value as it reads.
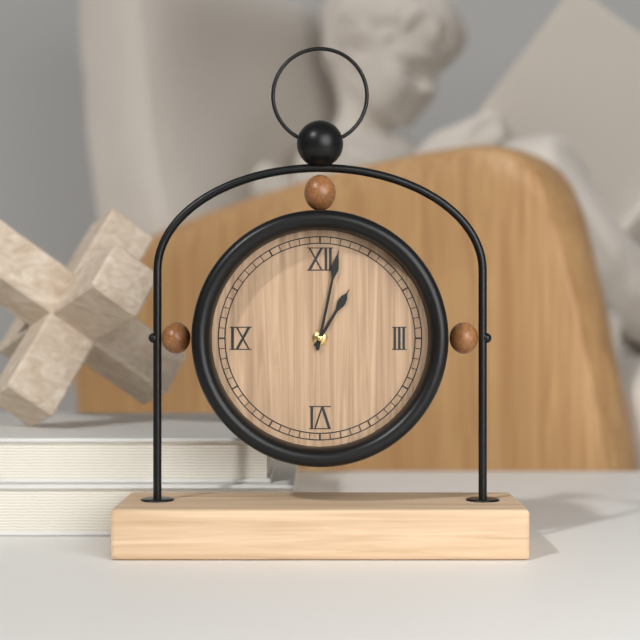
1:02
